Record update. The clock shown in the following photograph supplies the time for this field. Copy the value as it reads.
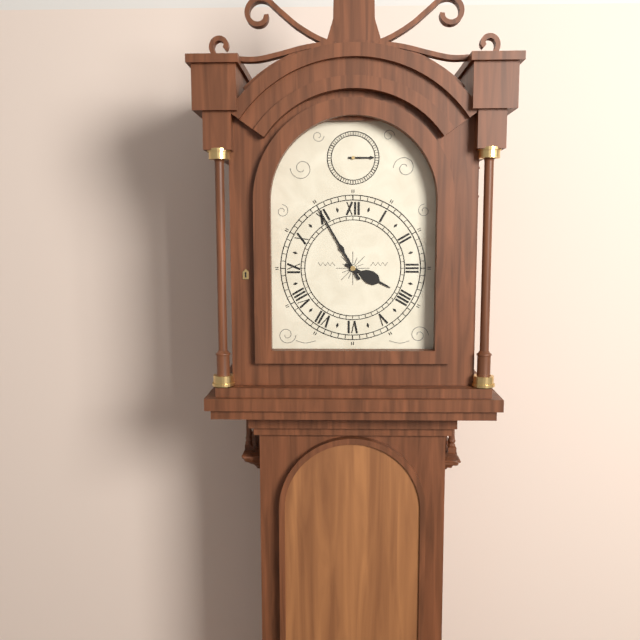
3:55
